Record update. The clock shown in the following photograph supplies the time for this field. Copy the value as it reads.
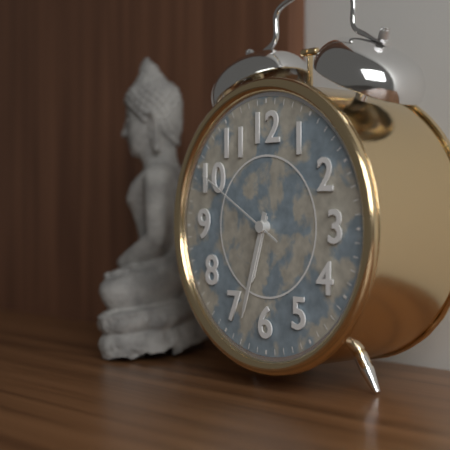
6:33:50
